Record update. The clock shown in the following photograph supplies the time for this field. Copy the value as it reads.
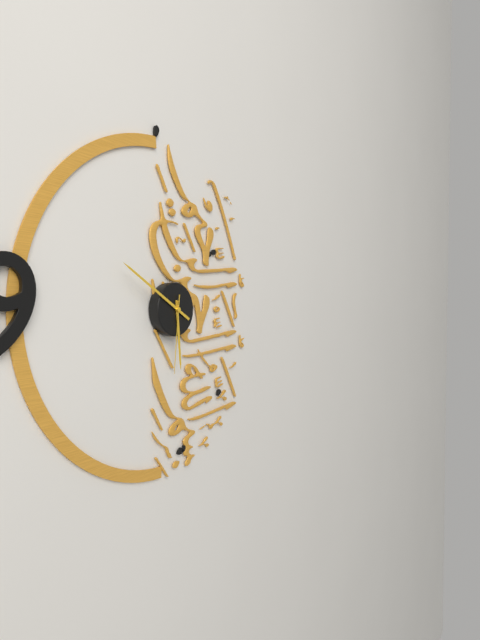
5:50:31
